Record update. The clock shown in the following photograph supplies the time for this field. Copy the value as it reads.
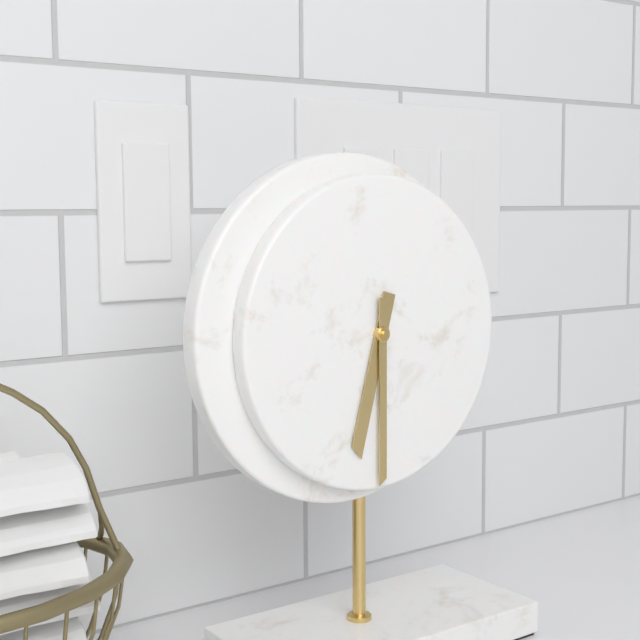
6:30
